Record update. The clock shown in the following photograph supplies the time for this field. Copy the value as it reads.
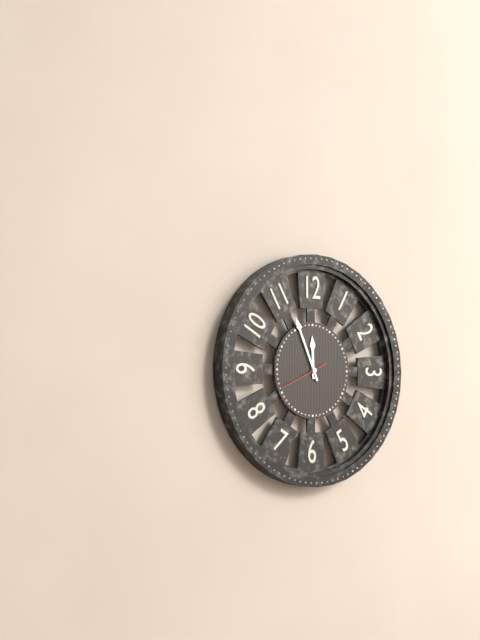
11:56
